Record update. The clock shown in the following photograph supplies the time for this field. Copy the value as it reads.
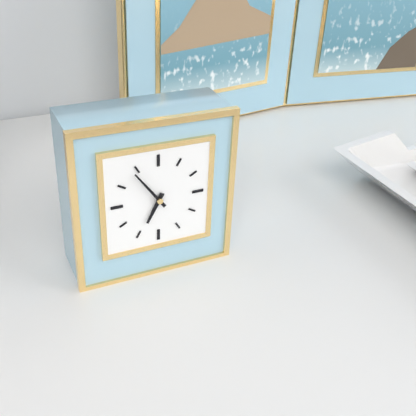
6:54
